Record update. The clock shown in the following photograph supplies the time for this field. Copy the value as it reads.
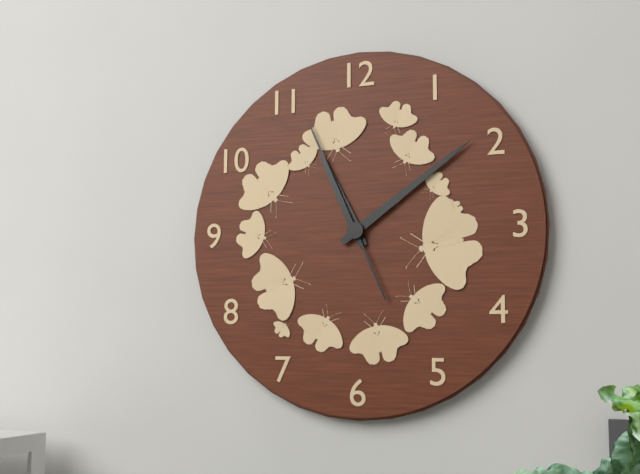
11:09:56
